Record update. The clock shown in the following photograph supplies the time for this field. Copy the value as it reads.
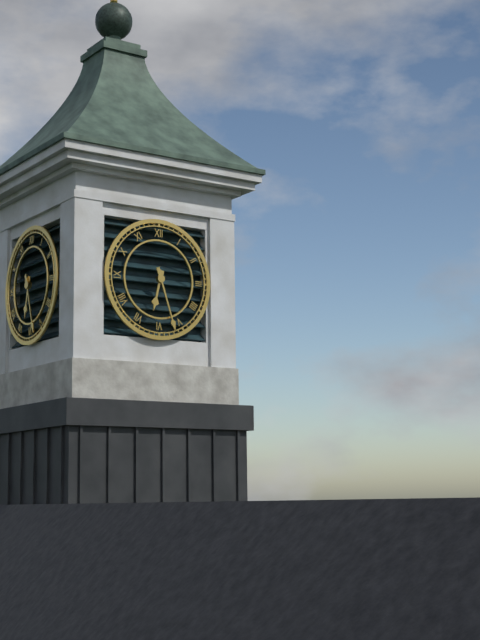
6:27
